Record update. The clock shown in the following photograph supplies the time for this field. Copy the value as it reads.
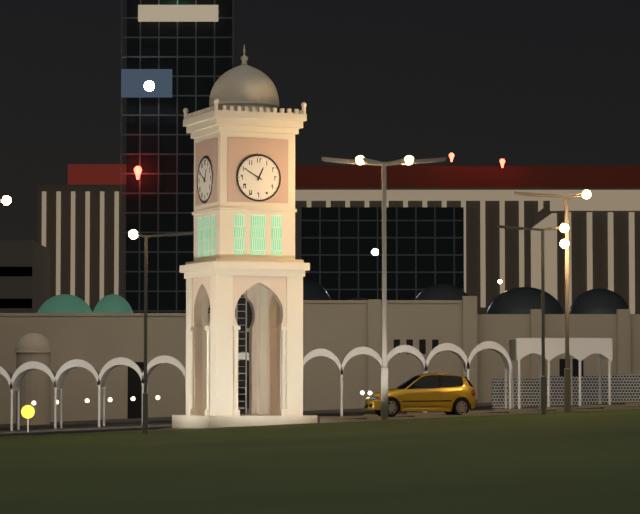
12:50
